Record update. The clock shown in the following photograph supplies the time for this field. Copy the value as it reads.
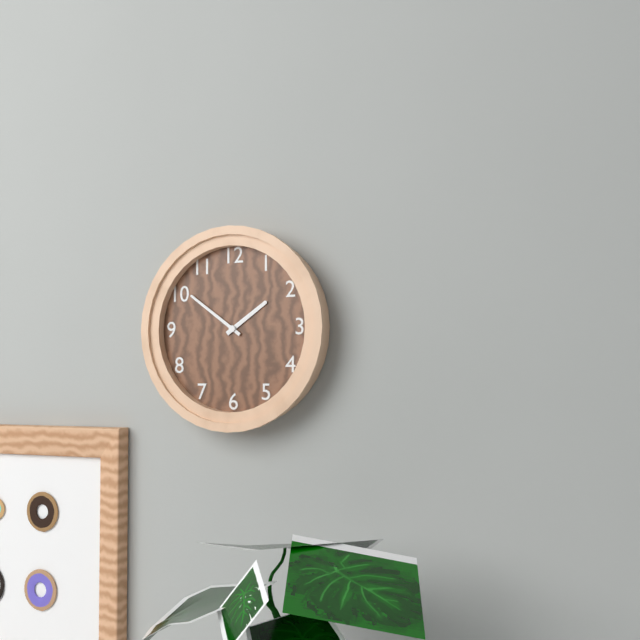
1:51
